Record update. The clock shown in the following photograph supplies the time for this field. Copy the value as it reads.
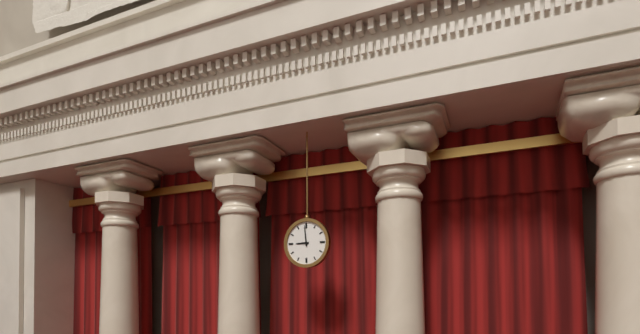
8:59
